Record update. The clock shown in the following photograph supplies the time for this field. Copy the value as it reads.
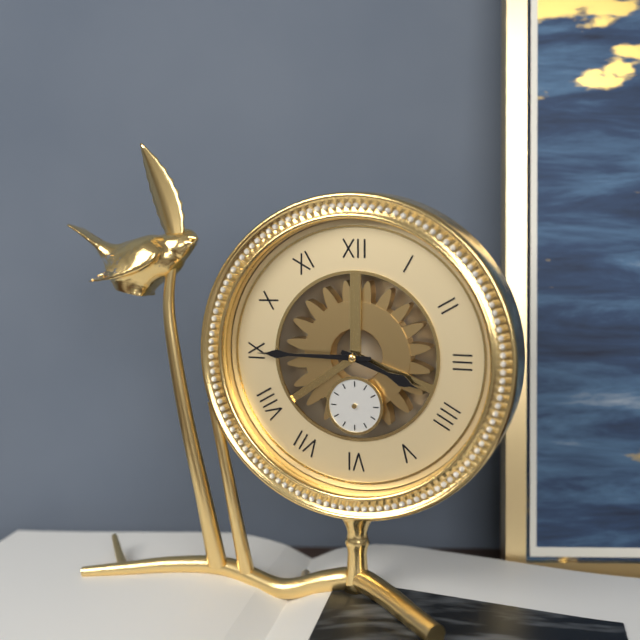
3:45
